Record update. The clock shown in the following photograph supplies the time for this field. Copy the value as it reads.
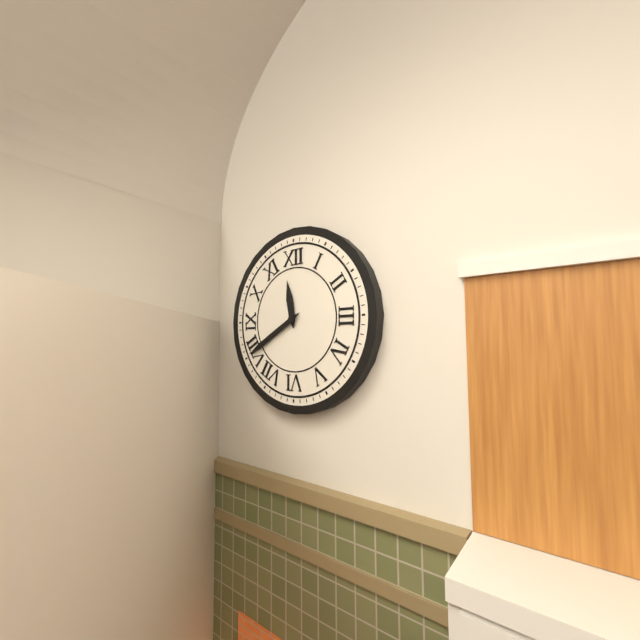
11:40
